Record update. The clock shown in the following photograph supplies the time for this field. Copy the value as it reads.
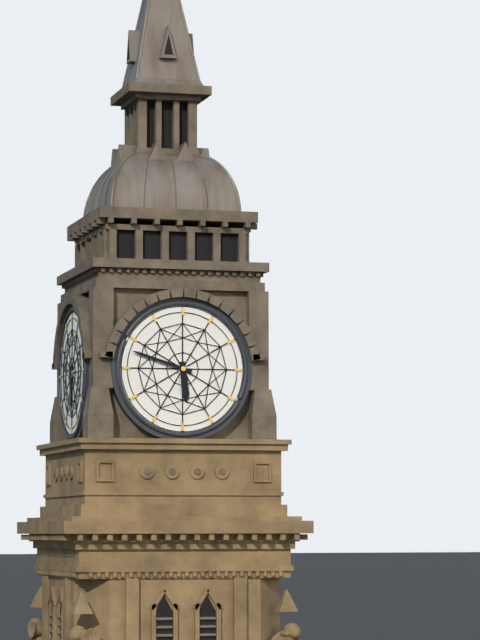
5:48
